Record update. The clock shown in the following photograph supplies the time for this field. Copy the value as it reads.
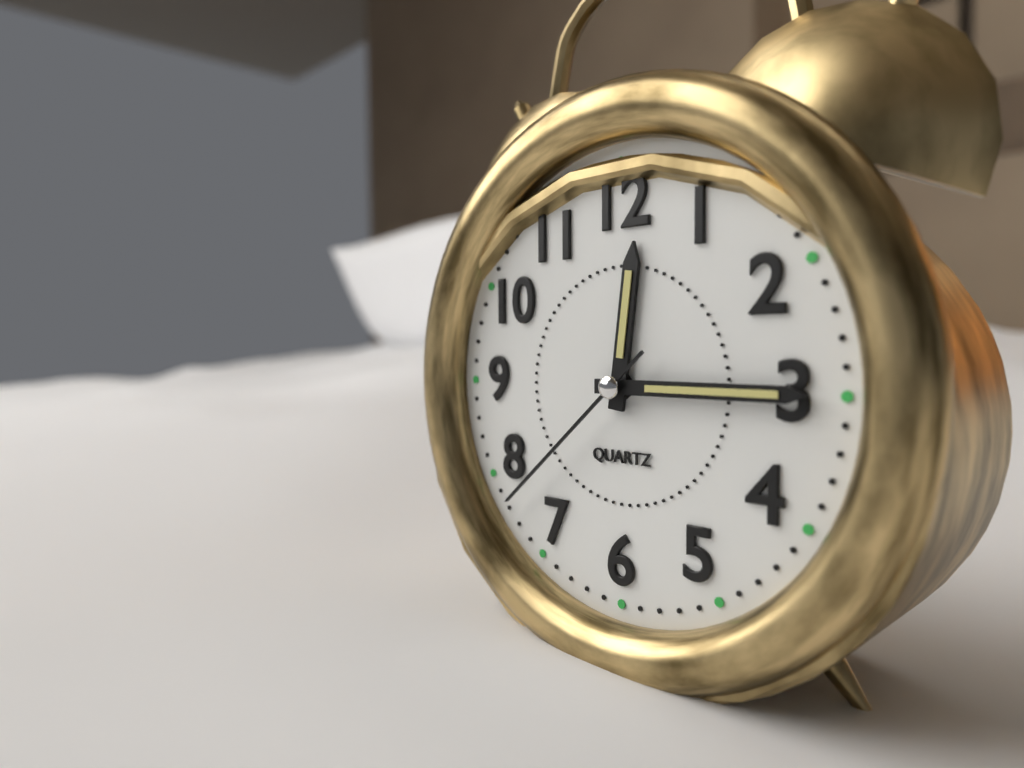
12:15:38
